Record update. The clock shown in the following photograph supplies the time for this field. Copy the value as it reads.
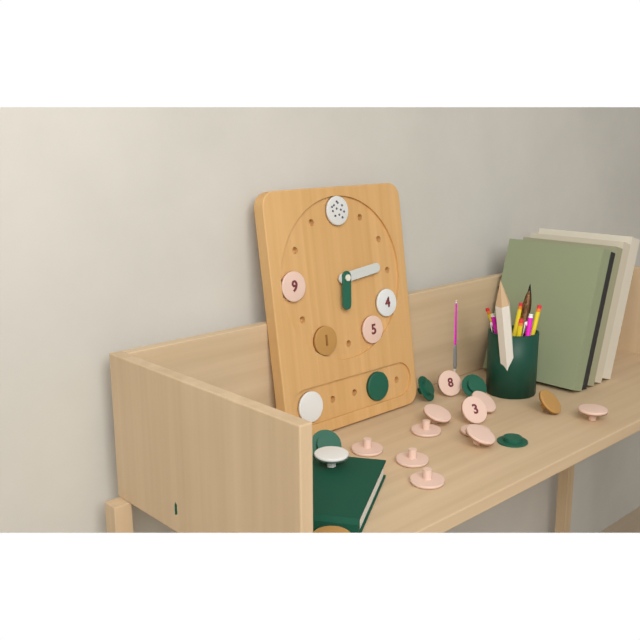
6:14
